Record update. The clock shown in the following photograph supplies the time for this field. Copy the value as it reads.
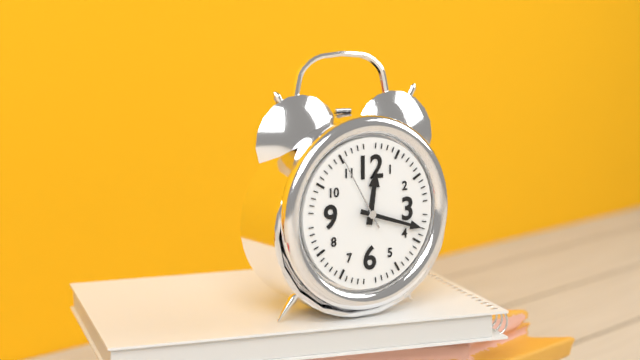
12:18:55
